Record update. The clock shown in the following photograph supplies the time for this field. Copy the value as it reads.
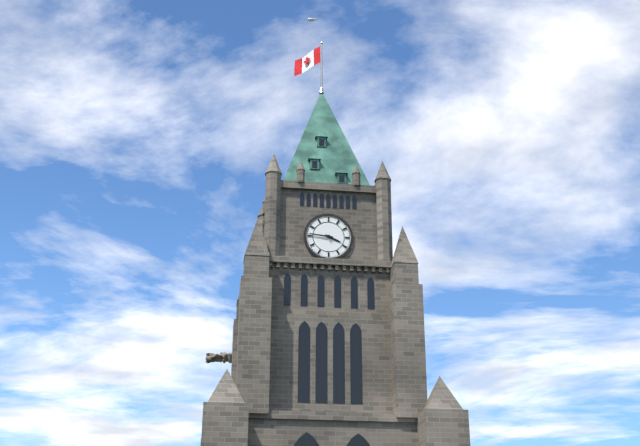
3:46
